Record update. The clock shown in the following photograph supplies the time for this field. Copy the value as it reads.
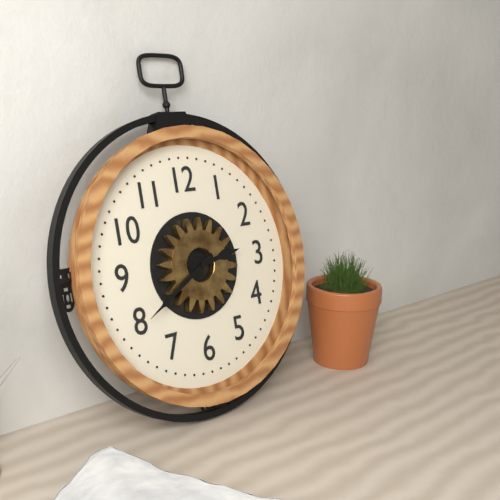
2:40
